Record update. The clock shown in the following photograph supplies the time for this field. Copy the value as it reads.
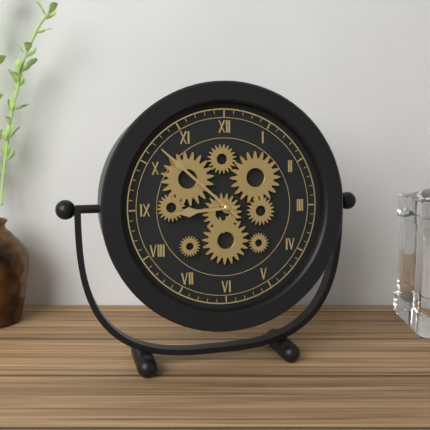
8:52
